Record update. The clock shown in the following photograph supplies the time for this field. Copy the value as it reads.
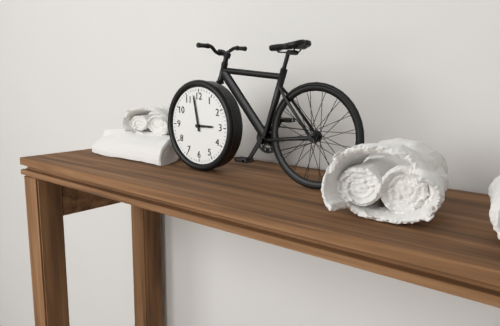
2:58
